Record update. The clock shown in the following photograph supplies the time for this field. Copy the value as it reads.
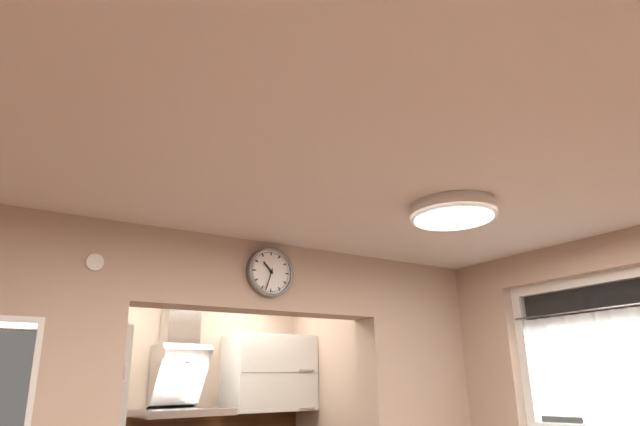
10:33
